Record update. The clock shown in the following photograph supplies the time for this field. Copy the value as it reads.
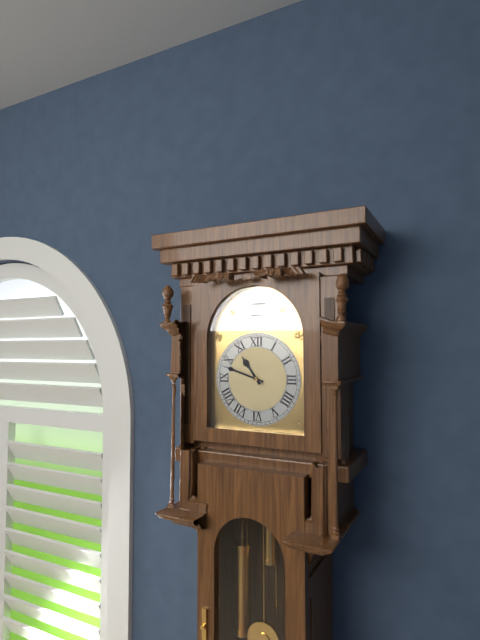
10:48
